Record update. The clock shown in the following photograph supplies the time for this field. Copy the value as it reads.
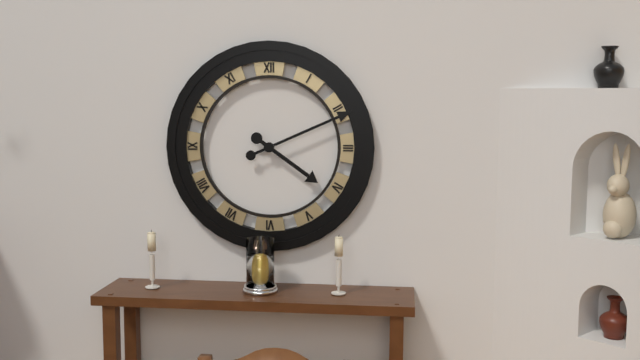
4:11
